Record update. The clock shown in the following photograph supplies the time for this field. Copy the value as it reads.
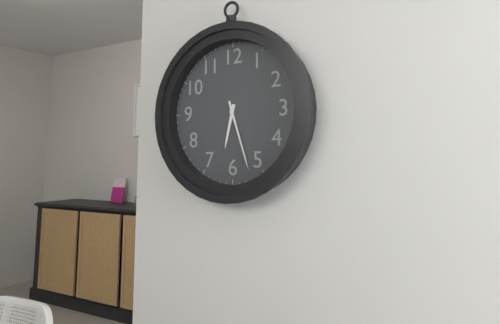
6:27
